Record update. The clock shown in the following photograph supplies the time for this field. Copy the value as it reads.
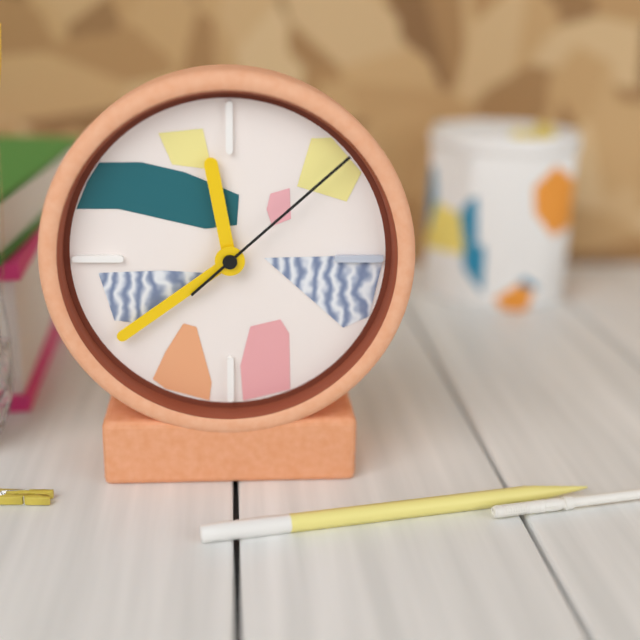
11:39:08
